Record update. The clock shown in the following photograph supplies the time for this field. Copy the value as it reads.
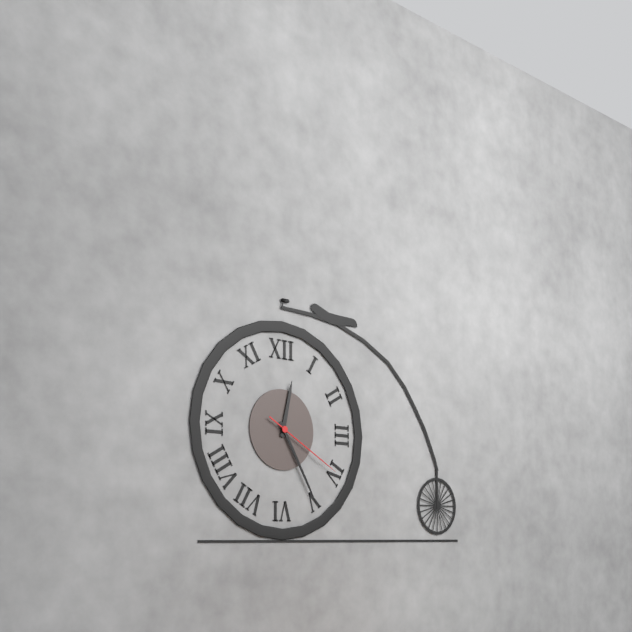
12:25:20
